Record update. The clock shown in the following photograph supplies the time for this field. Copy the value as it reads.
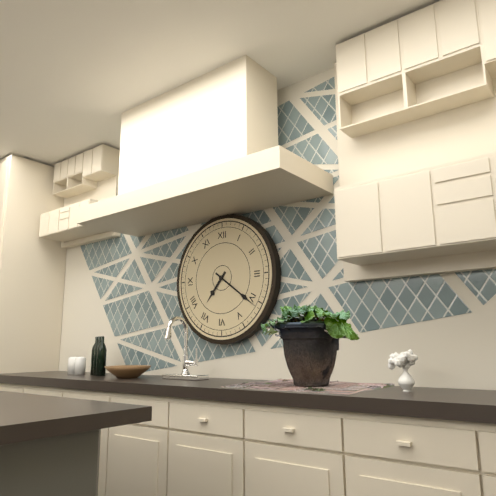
7:21
